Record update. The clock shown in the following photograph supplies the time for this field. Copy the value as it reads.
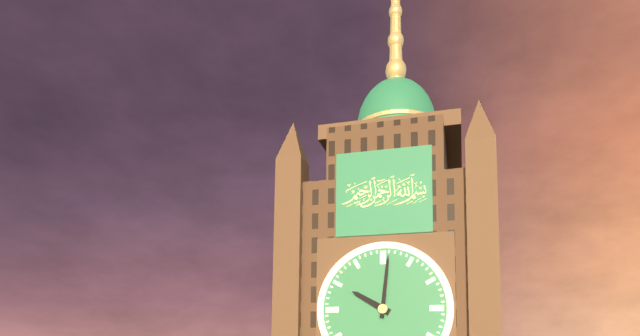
10:01
